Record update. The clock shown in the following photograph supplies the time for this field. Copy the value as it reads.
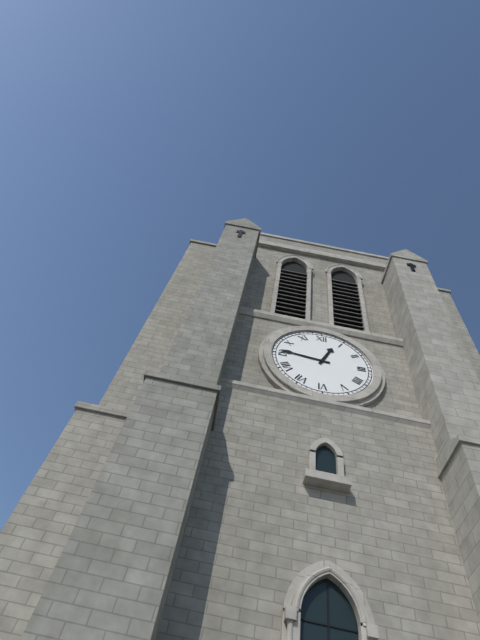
12:46
